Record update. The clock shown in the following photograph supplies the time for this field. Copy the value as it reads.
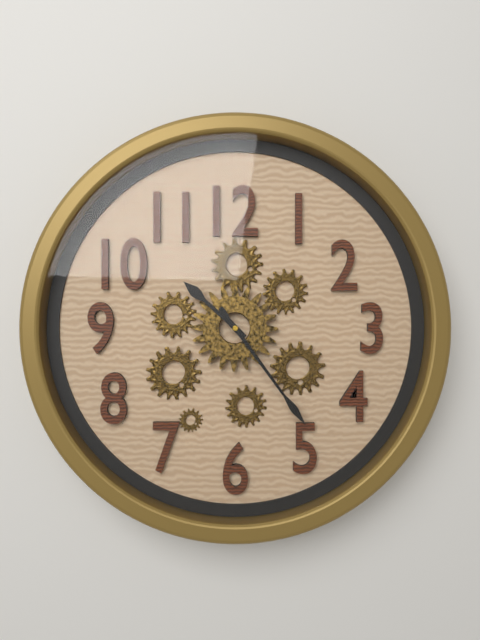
10:24
